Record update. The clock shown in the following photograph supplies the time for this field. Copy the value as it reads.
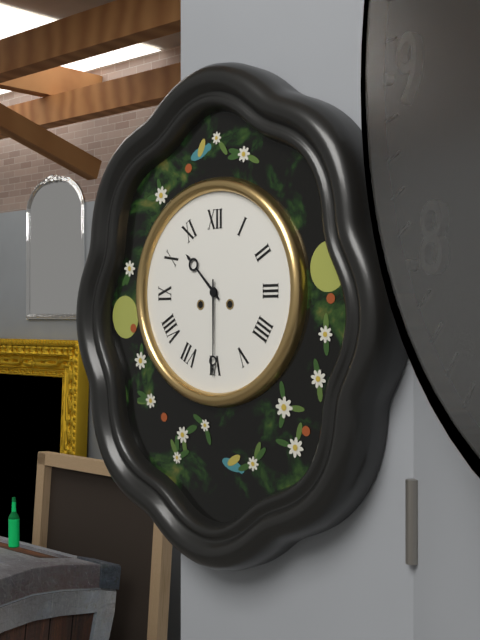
10:30
